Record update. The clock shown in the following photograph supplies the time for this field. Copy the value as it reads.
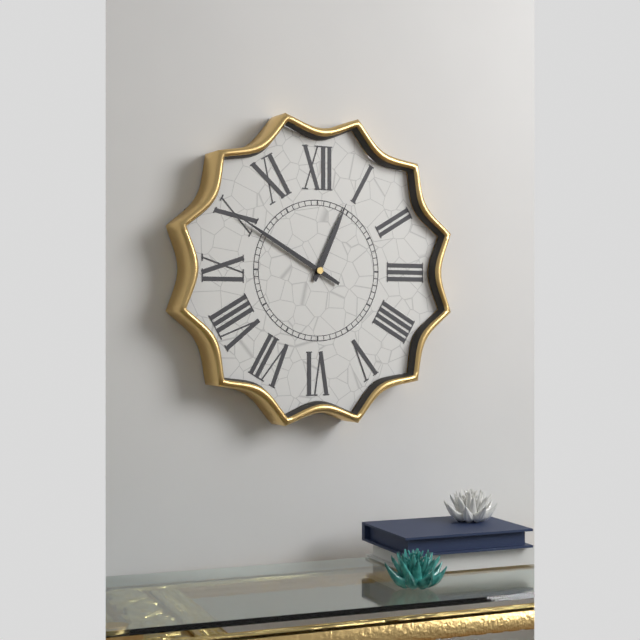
12:50
